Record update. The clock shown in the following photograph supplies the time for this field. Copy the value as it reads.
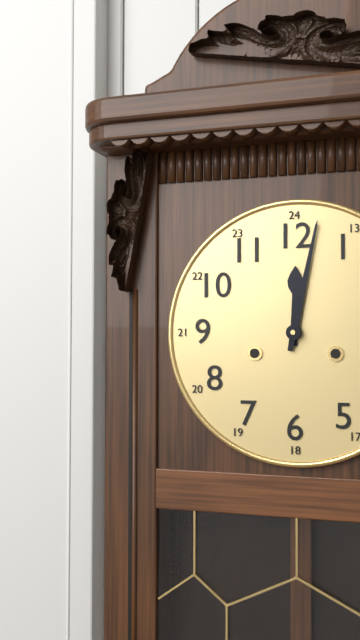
12:02
